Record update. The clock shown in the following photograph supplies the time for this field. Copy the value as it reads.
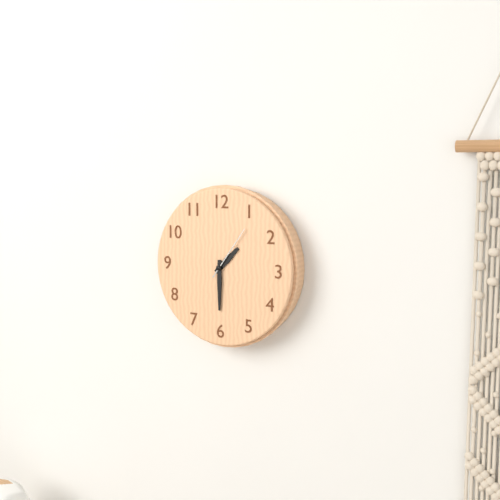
1:30:06
